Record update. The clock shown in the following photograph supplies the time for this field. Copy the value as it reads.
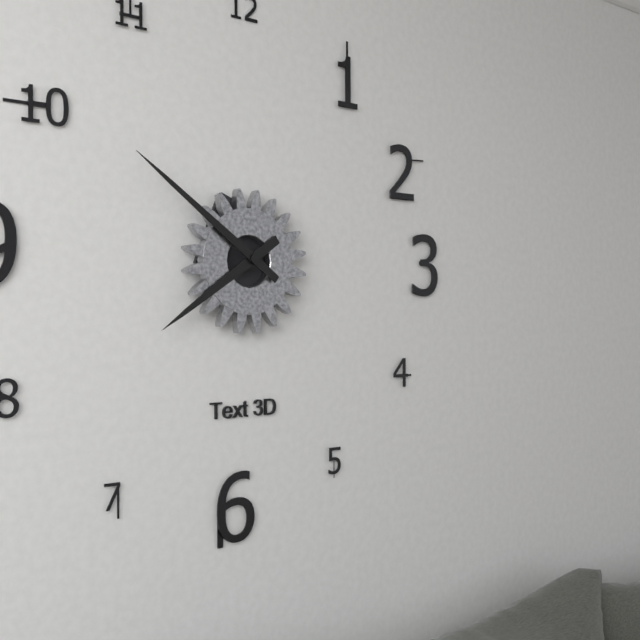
7:51
